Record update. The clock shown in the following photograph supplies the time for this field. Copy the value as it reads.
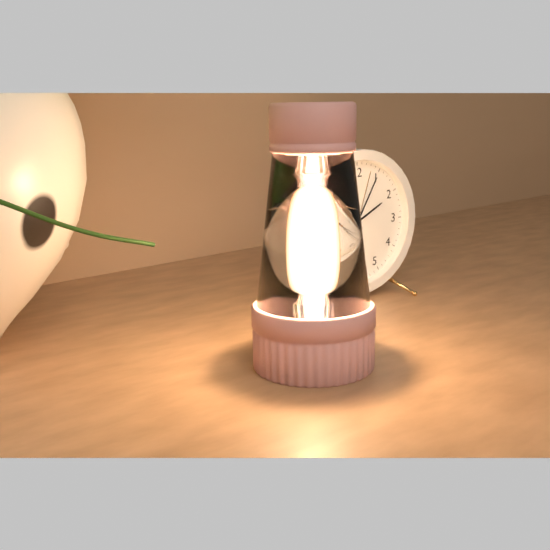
2:05:03
